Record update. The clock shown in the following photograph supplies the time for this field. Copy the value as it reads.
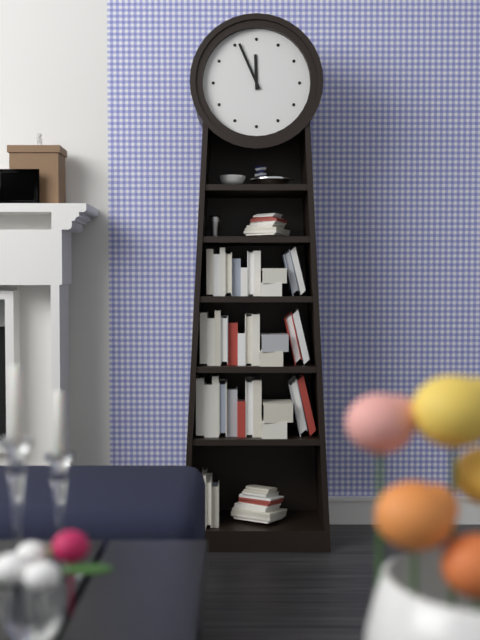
11:56
